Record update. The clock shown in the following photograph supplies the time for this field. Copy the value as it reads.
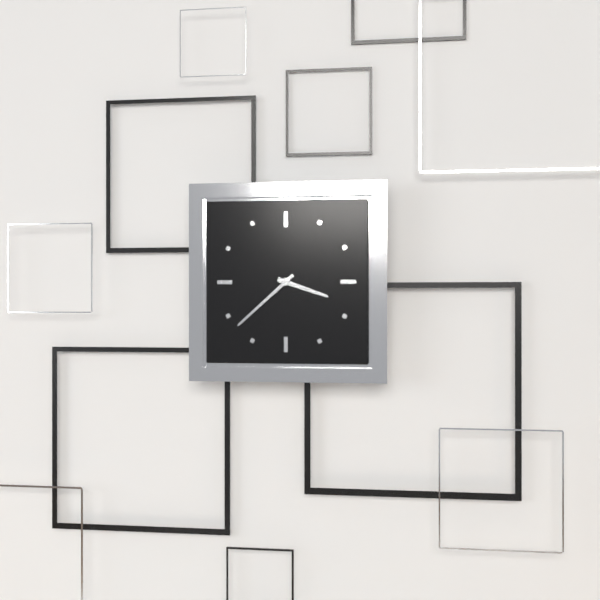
3:38
